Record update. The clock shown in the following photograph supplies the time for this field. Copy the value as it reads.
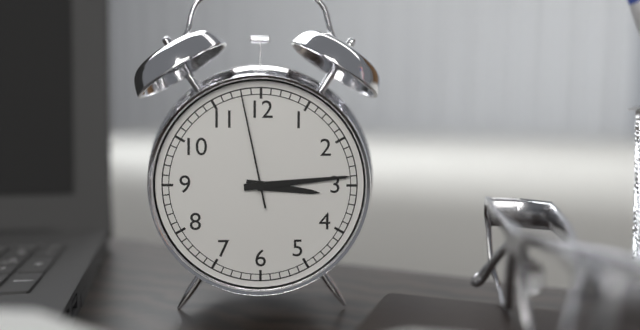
3:14:58
